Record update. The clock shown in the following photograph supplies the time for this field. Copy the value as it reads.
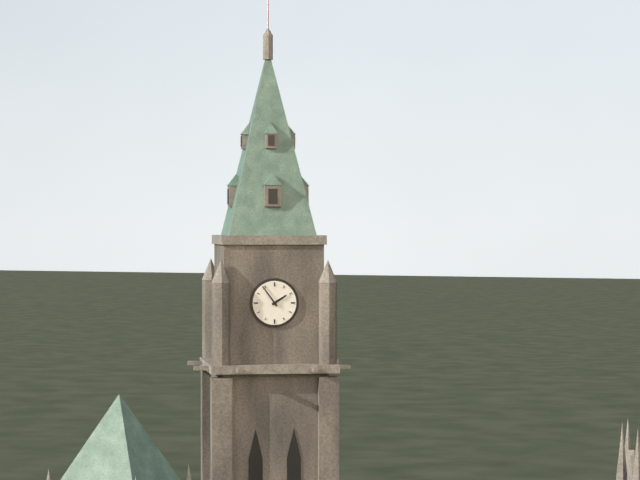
1:54
